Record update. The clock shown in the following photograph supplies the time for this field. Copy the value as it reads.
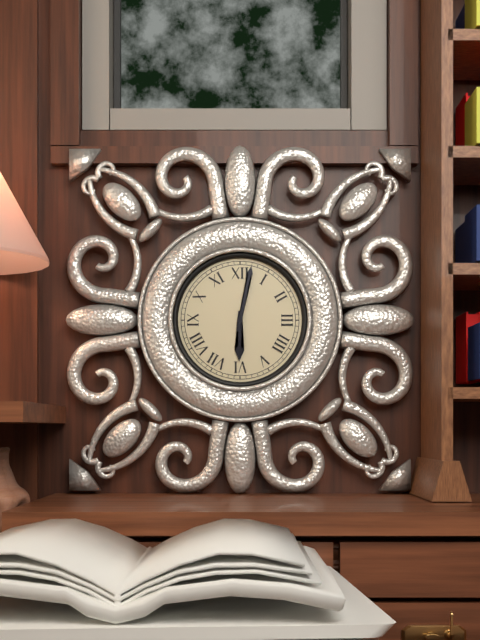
6:02
